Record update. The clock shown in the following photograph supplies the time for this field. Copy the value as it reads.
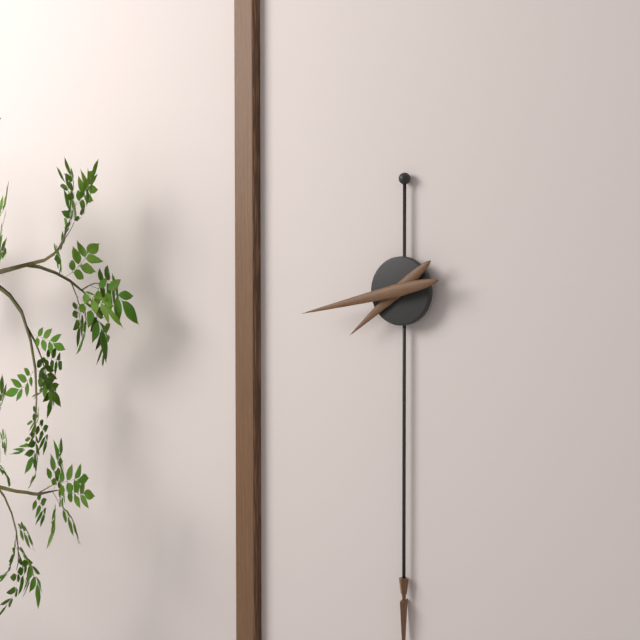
7:43
